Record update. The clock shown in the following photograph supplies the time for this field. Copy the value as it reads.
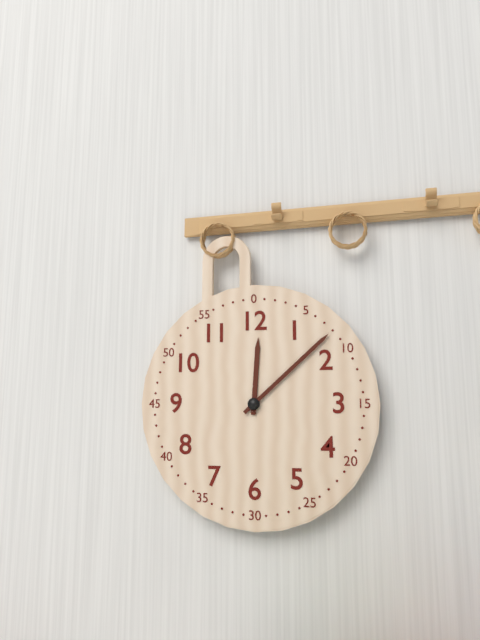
12:08
